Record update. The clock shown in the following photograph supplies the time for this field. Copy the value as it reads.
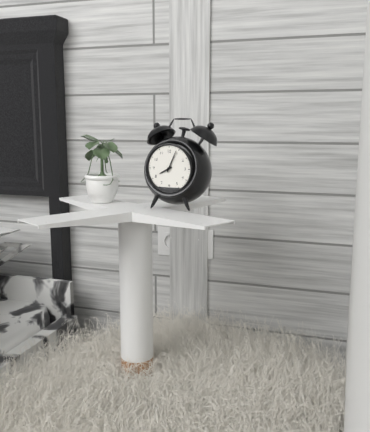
8:04
